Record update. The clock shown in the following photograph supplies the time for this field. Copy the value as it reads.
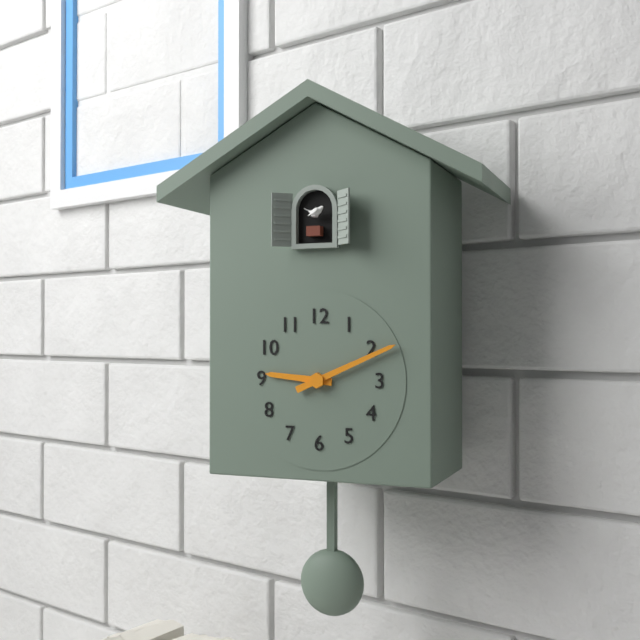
9:11
